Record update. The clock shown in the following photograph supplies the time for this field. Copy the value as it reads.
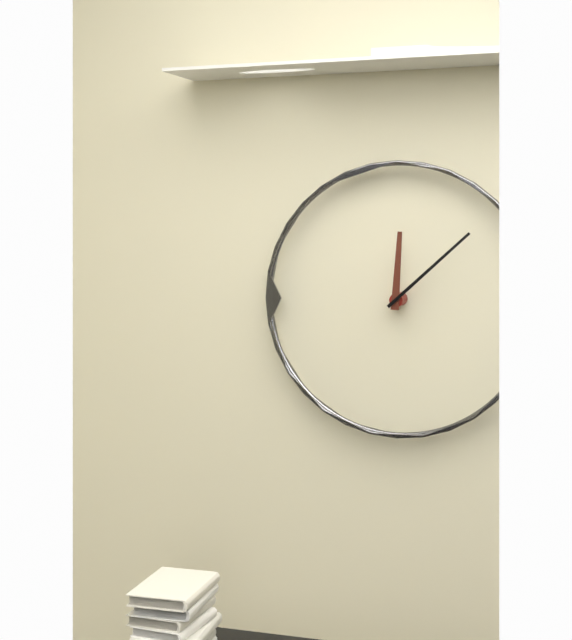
12:08
